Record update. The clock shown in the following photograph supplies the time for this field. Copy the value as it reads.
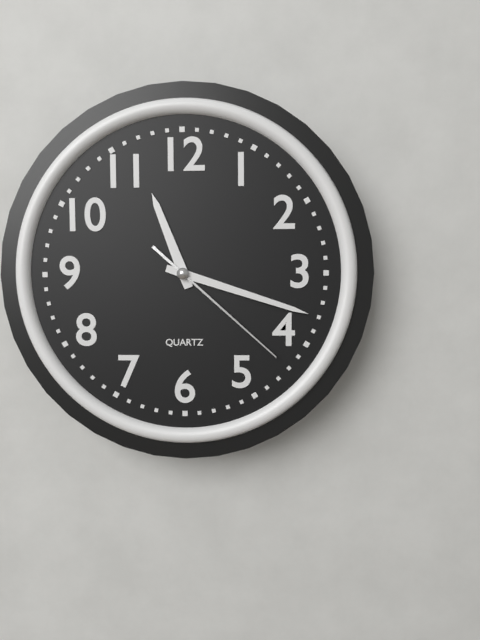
11:18:22
